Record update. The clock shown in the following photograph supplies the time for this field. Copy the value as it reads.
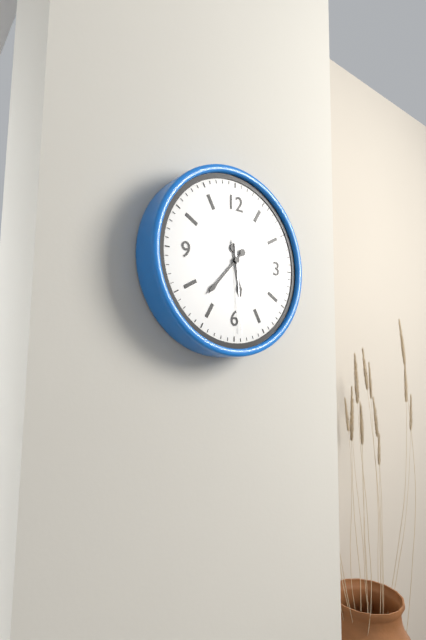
5:37:29
